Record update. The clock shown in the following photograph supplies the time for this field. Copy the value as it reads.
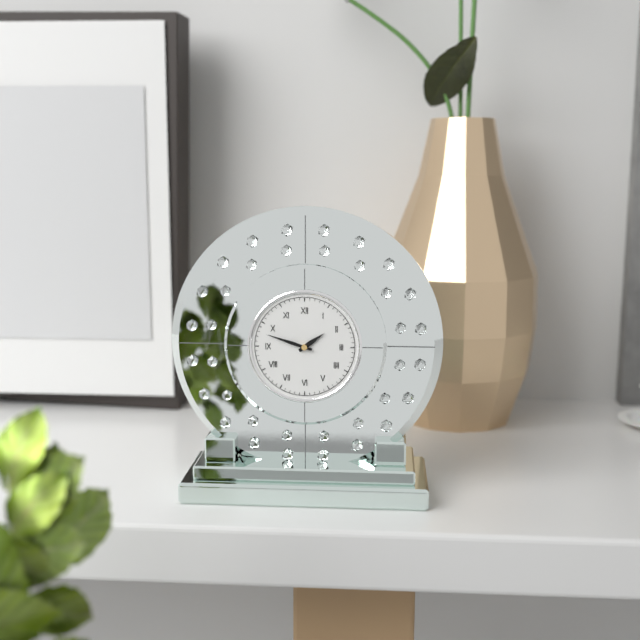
1:48
